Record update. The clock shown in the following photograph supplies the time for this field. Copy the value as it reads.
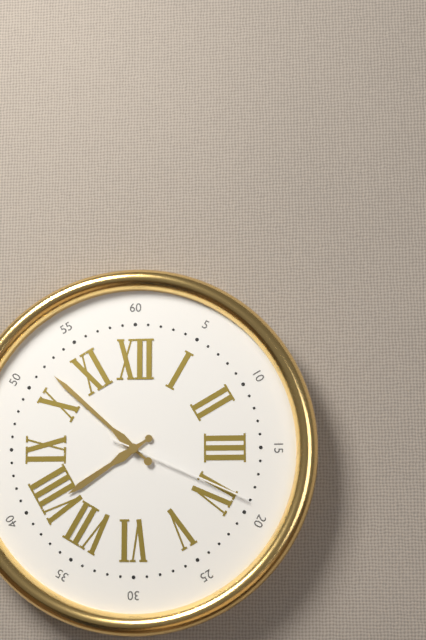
7:52:19
